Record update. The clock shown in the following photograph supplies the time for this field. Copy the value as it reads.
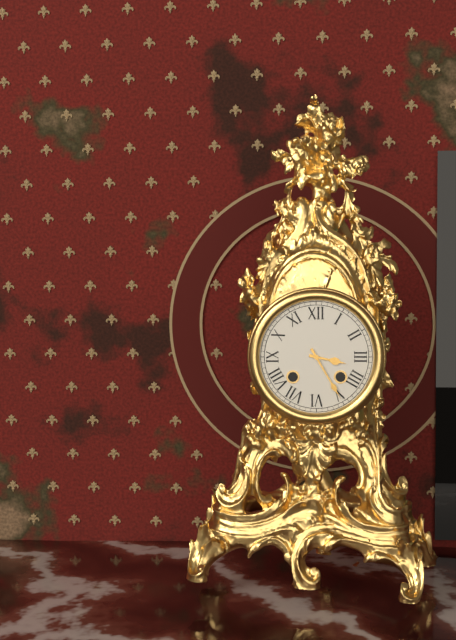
3:25
